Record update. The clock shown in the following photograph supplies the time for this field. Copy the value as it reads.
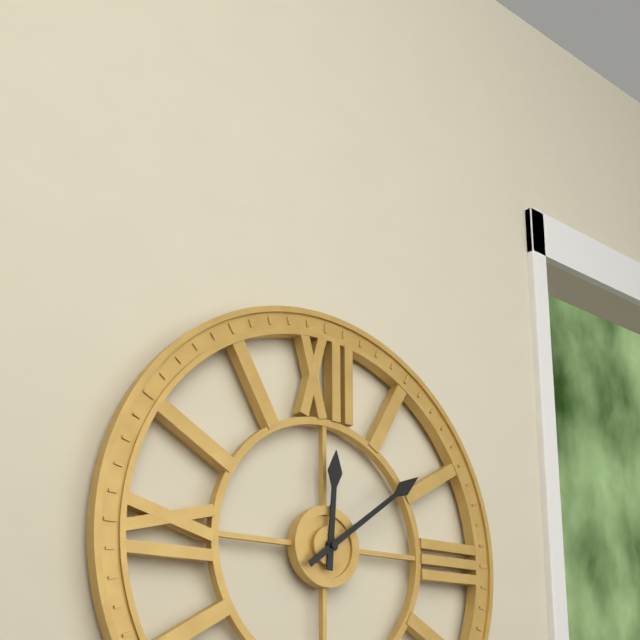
12:09
